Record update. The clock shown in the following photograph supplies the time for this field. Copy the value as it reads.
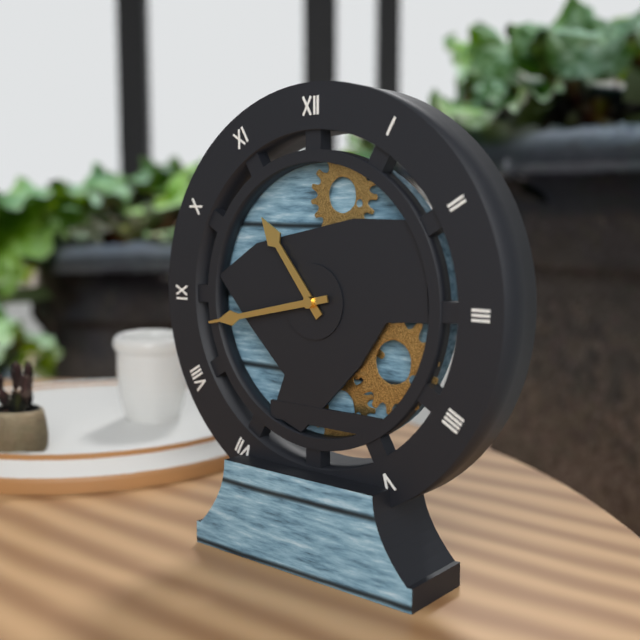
10:43
